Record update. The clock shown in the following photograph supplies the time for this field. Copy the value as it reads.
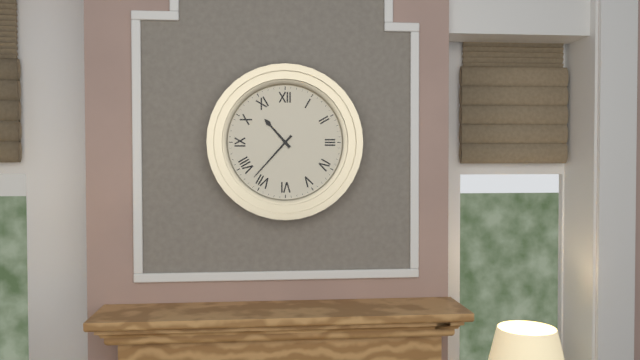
10:37
